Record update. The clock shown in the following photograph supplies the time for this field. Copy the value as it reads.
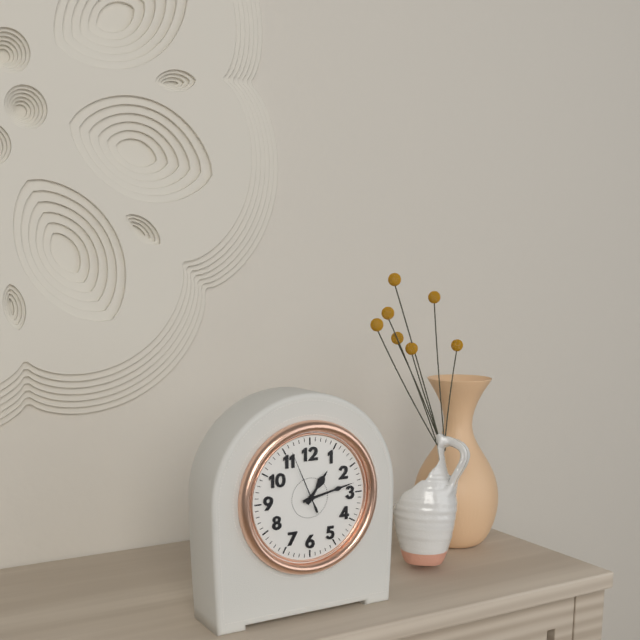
1:13:56
